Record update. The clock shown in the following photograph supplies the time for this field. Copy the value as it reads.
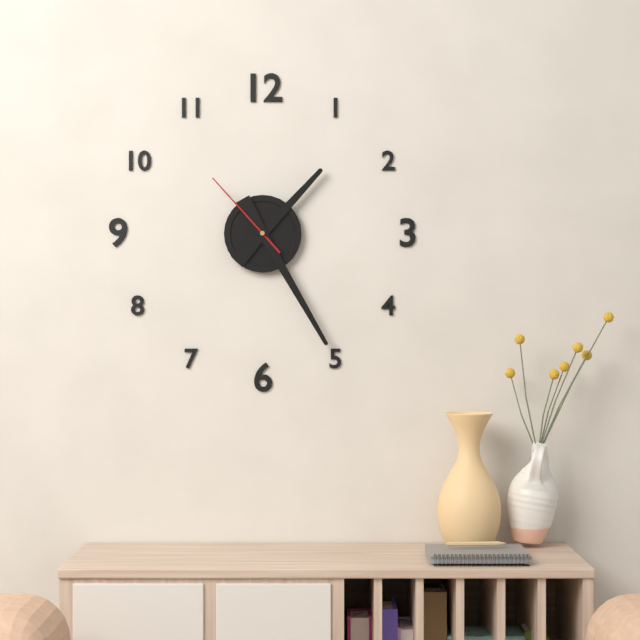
1:25:53
